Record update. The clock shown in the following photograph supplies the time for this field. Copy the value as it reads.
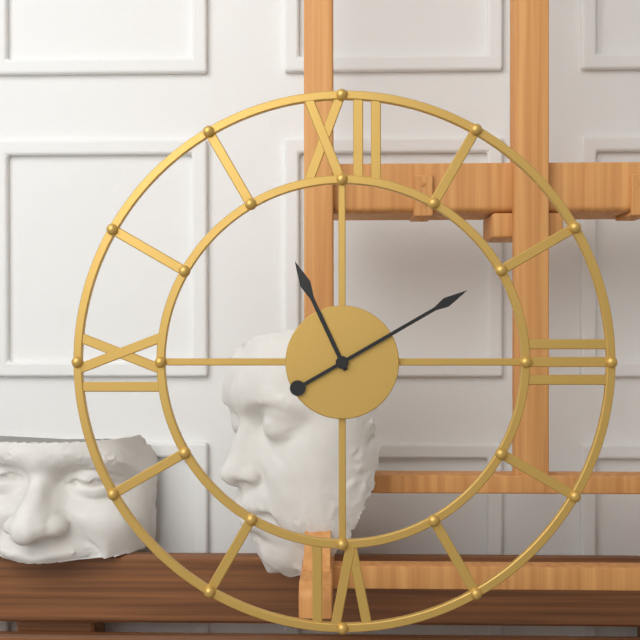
11:10
